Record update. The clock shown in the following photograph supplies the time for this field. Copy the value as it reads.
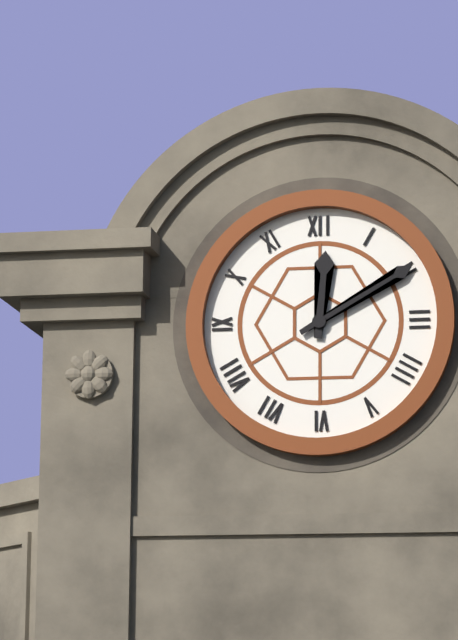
12:10
